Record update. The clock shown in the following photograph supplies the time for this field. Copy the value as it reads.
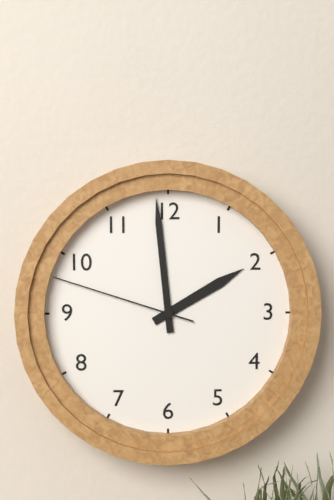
1:59:48
